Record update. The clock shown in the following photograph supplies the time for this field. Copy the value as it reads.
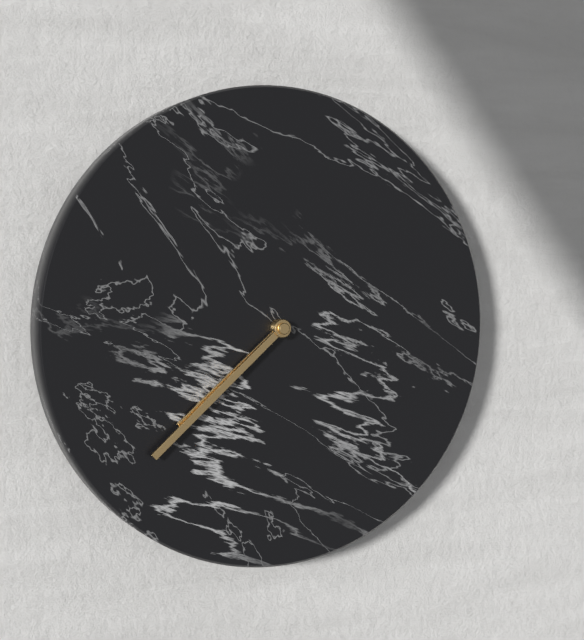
7:38
